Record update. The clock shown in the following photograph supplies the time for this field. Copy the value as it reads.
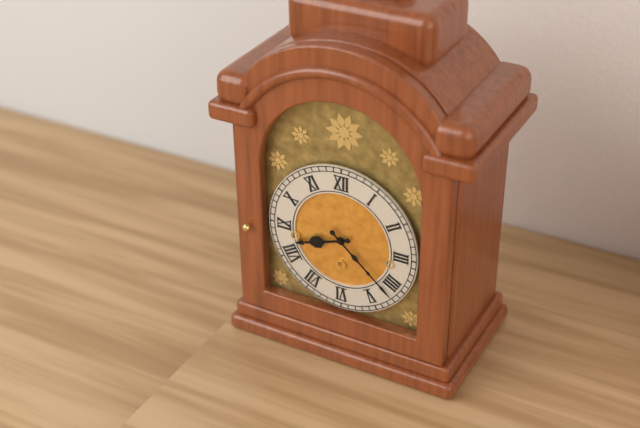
8:22
